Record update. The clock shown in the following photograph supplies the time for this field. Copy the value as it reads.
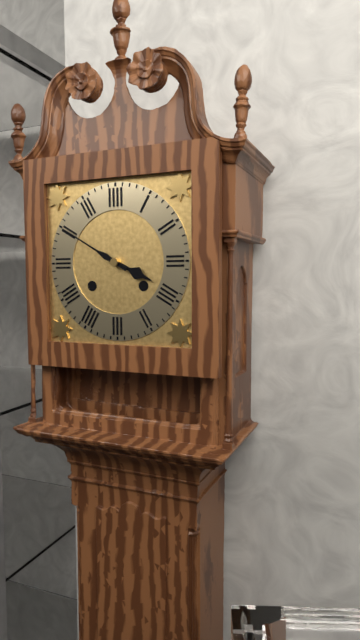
3:50
